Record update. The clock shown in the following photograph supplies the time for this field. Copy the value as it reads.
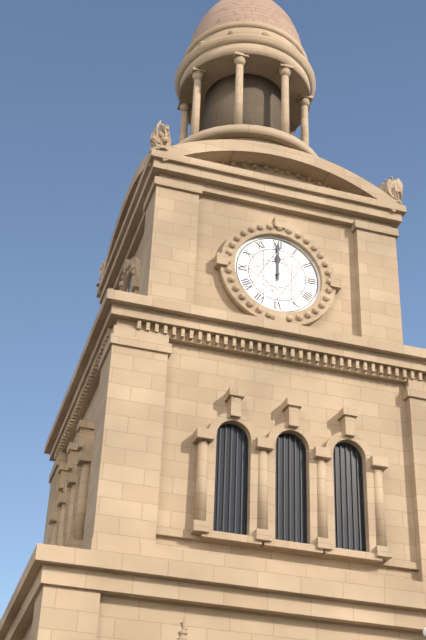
12:00
